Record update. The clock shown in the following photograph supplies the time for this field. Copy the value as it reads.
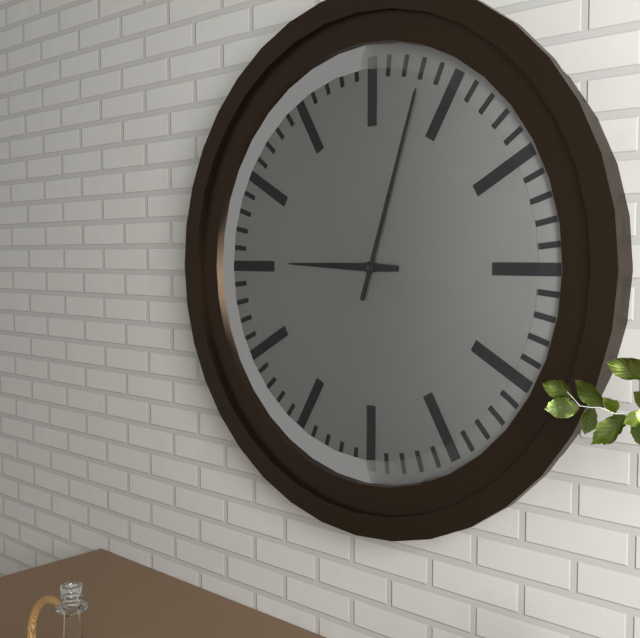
9:03
